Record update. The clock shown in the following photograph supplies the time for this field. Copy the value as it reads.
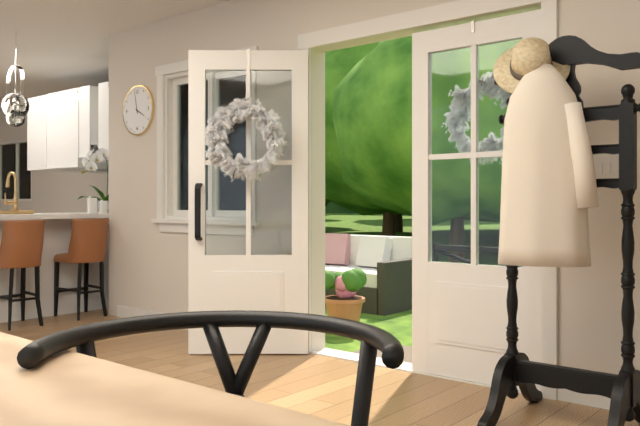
3:58
